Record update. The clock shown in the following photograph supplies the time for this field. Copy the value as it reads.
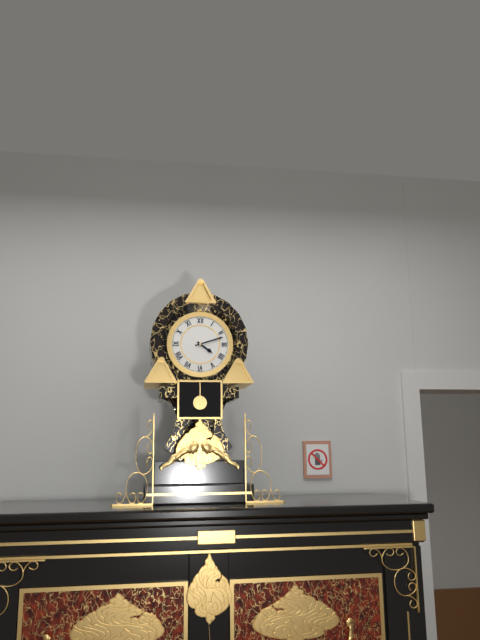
4:12
